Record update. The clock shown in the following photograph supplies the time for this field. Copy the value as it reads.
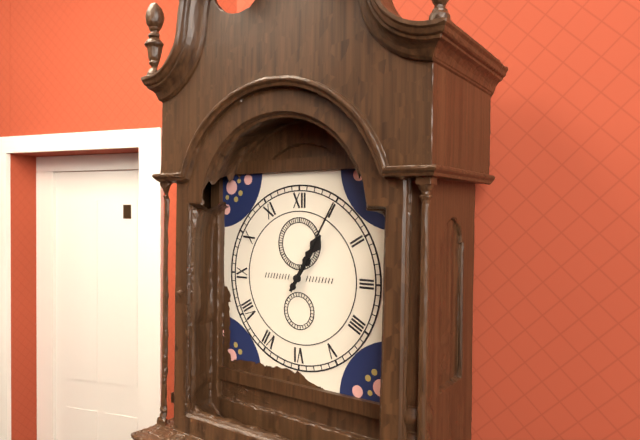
1:05
